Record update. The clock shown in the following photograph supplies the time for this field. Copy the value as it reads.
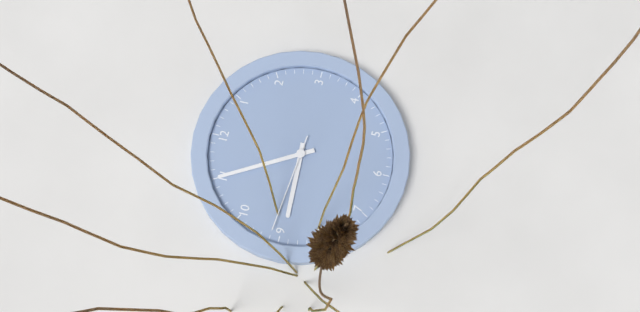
8:55:46
